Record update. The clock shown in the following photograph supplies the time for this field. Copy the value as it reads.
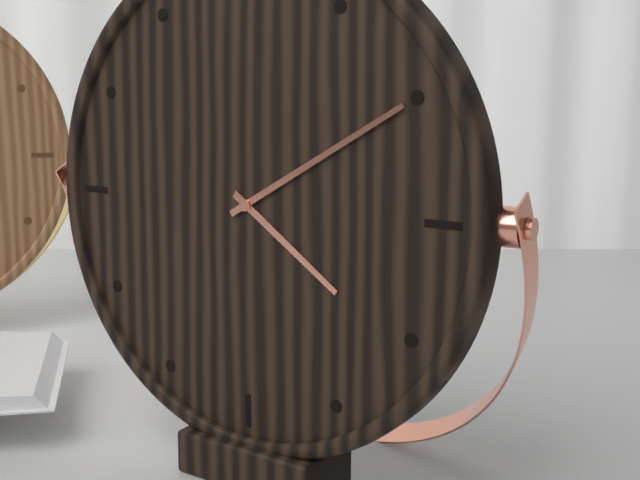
4:10
